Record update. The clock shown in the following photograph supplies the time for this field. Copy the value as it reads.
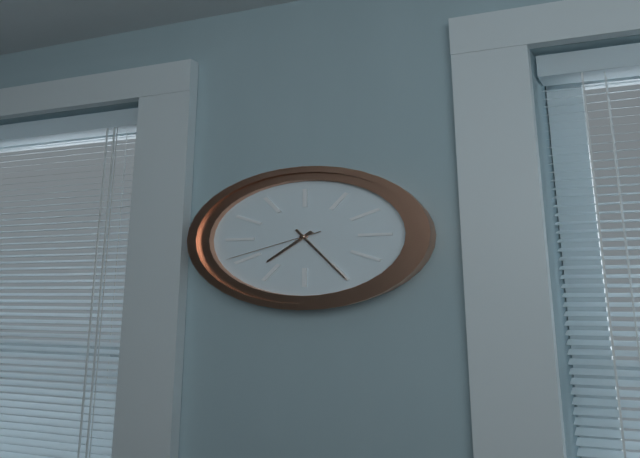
7:25:41
